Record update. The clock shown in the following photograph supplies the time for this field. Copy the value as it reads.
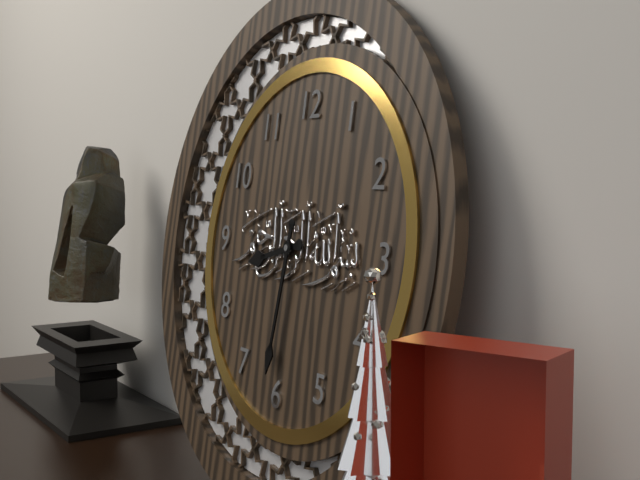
8:31
